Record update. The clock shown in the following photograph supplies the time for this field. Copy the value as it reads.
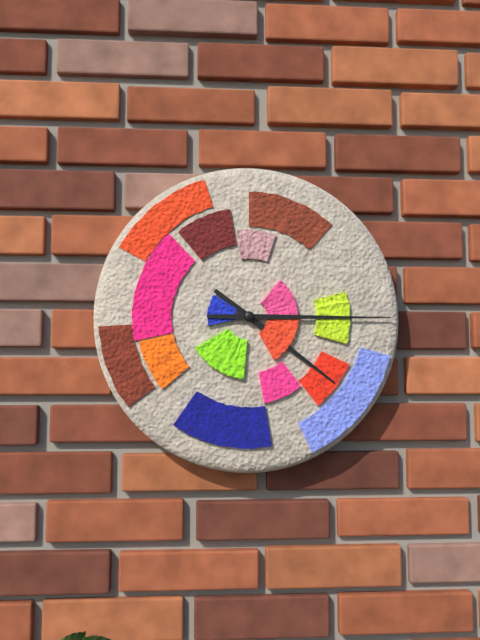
4:15
